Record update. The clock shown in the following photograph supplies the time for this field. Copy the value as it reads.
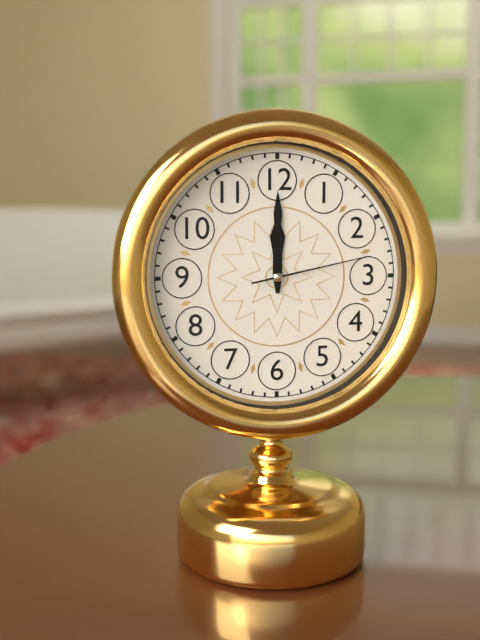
12:00:13
